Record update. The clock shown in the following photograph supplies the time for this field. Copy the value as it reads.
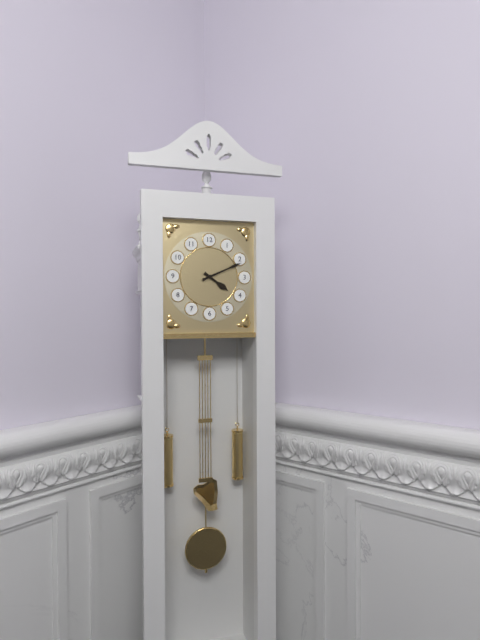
4:11
